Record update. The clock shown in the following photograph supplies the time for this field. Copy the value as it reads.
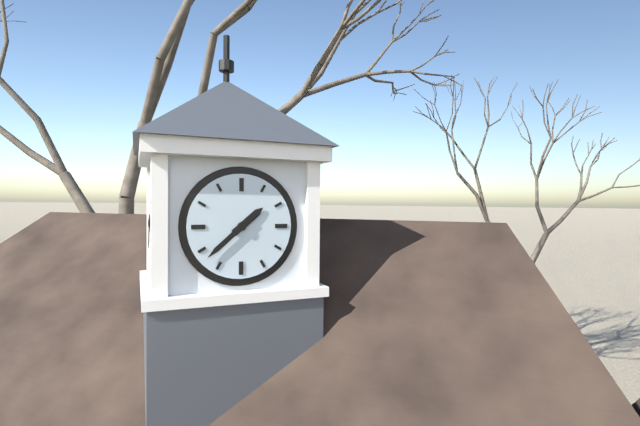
1:38
